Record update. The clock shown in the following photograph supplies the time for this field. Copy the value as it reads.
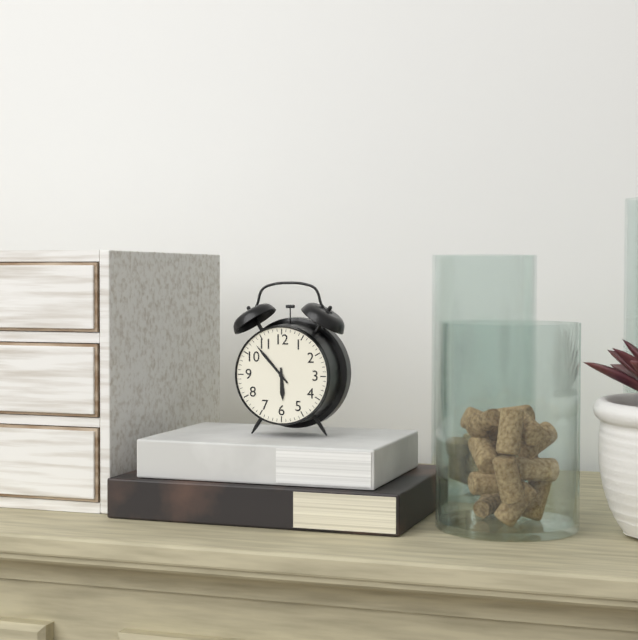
5:53
